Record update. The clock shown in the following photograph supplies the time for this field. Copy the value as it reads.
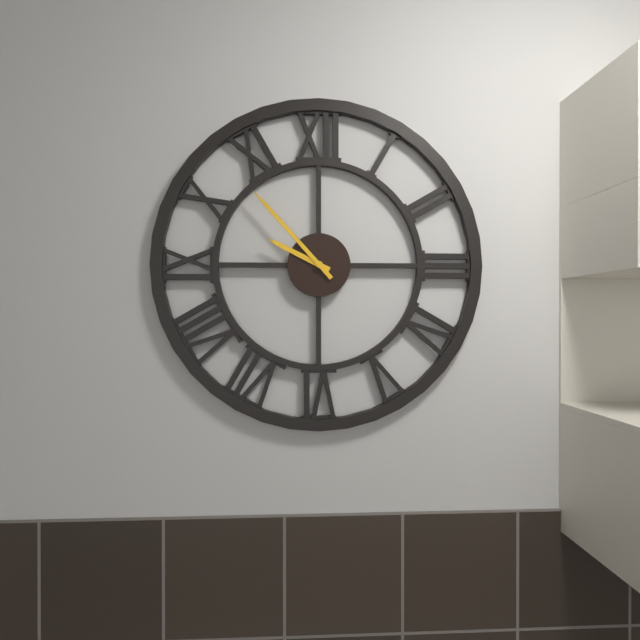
9:53
